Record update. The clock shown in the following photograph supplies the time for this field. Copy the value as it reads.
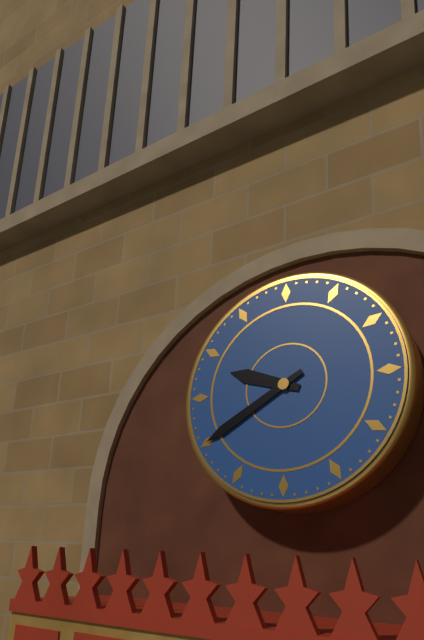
9:40
